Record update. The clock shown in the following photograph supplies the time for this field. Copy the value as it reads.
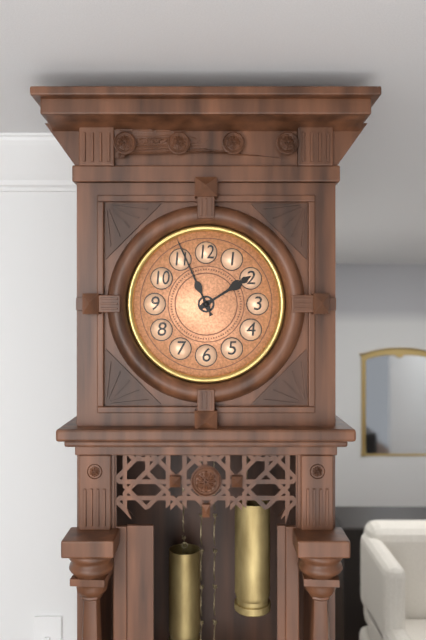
1:56
